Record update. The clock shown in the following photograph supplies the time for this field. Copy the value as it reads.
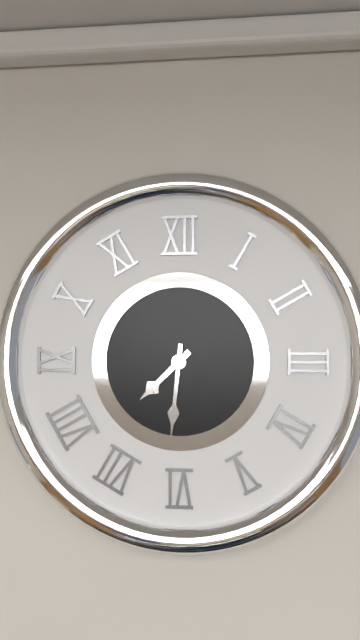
7:31
